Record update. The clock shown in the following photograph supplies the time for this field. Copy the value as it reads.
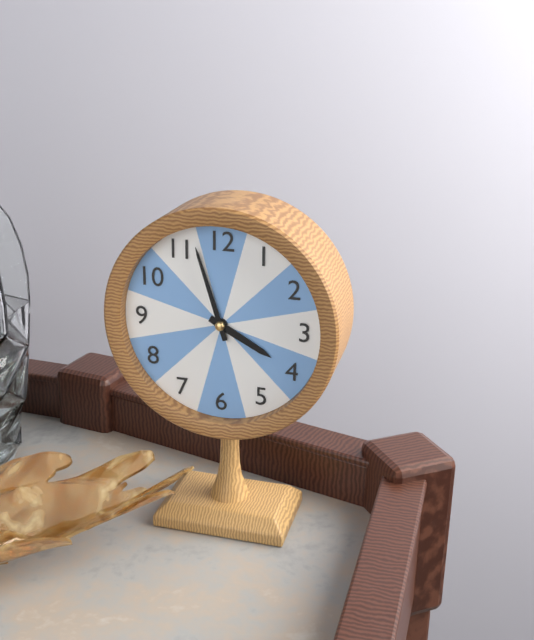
3:57
